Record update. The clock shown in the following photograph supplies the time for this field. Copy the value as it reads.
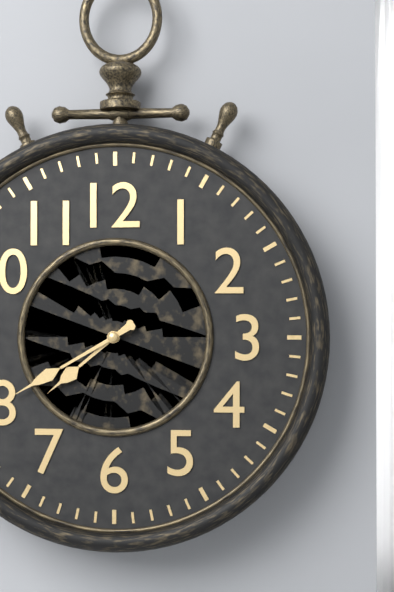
7:40
